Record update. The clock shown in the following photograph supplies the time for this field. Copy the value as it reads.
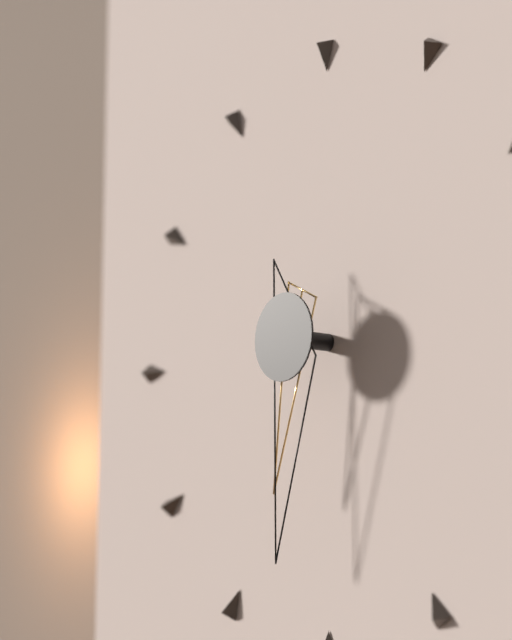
6:31
